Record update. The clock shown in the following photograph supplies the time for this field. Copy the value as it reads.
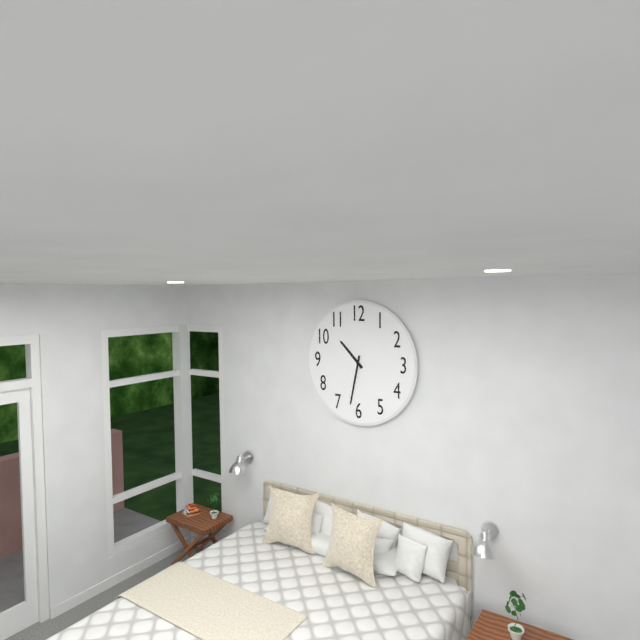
10:32
